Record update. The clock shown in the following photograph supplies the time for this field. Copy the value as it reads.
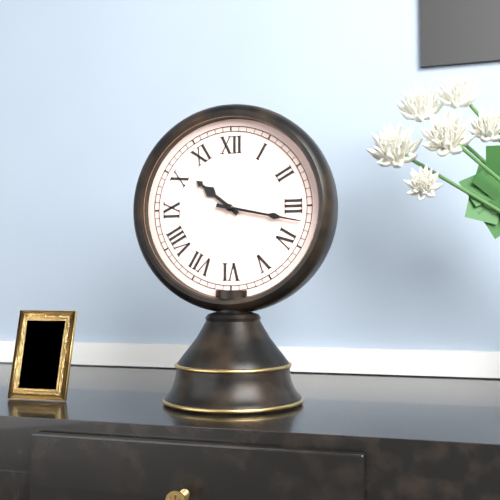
10:17
